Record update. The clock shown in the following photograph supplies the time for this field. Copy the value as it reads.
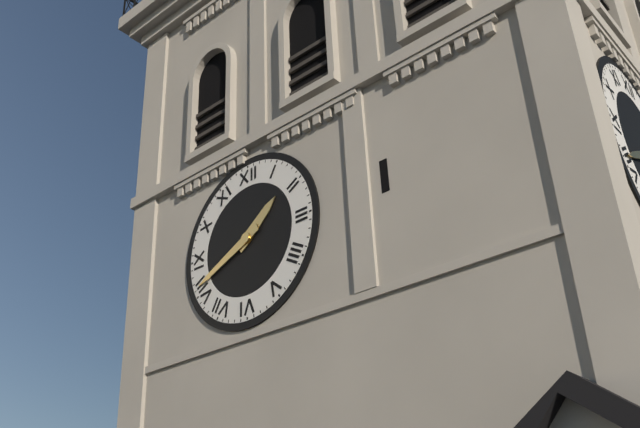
1:41
